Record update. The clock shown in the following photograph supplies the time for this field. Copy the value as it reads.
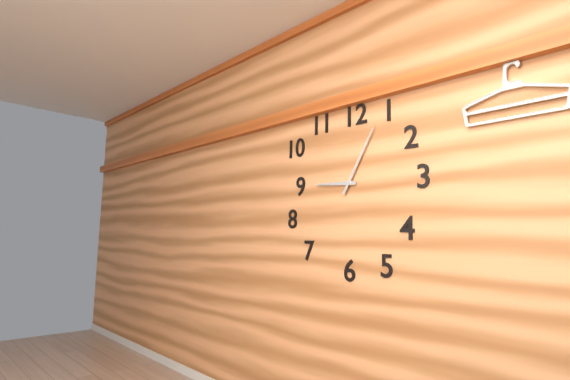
9:05
